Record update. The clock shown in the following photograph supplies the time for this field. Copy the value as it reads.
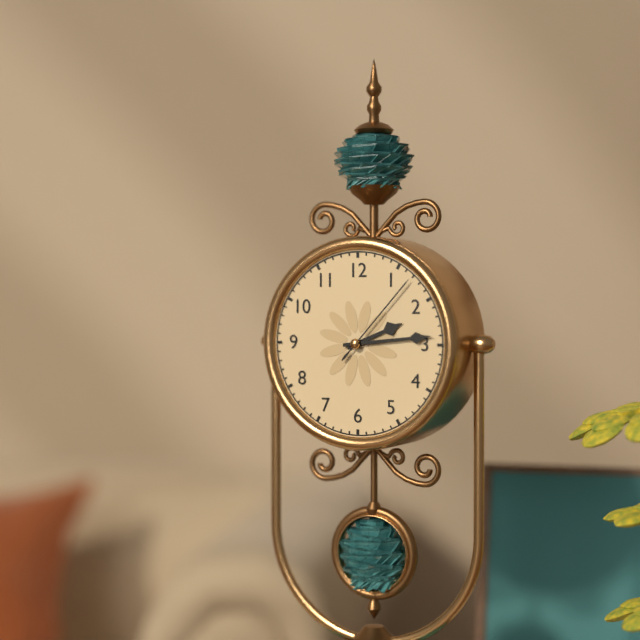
2:14:07
